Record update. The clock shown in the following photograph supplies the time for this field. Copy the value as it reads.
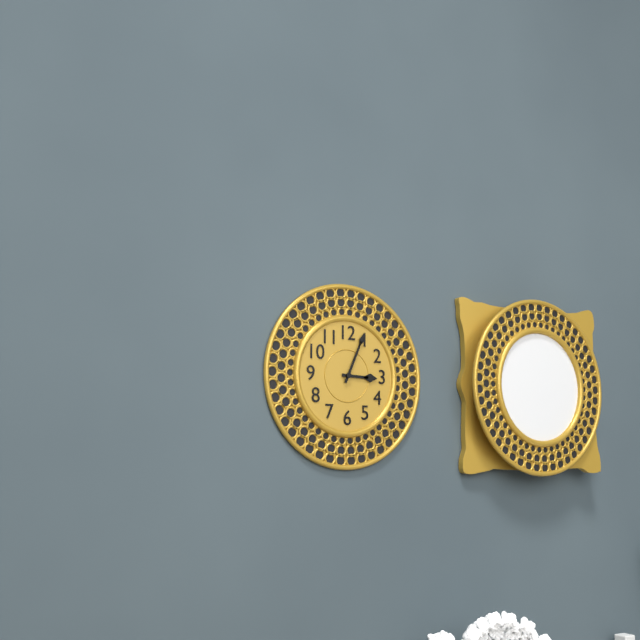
3:04
